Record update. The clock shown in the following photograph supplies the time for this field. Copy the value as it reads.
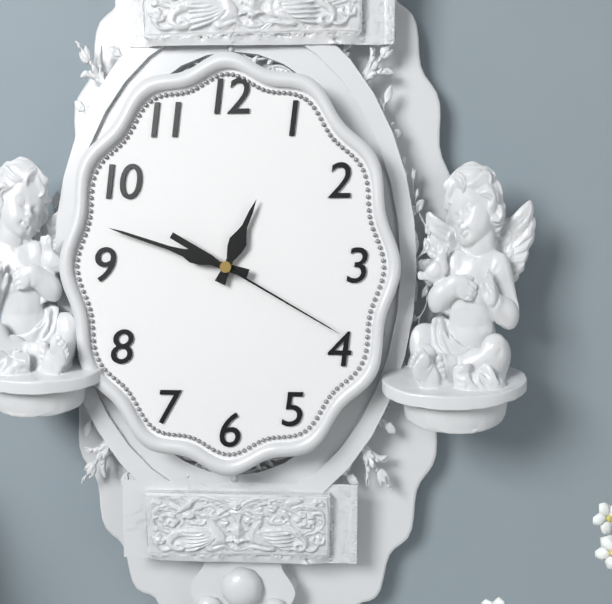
12:48:20
